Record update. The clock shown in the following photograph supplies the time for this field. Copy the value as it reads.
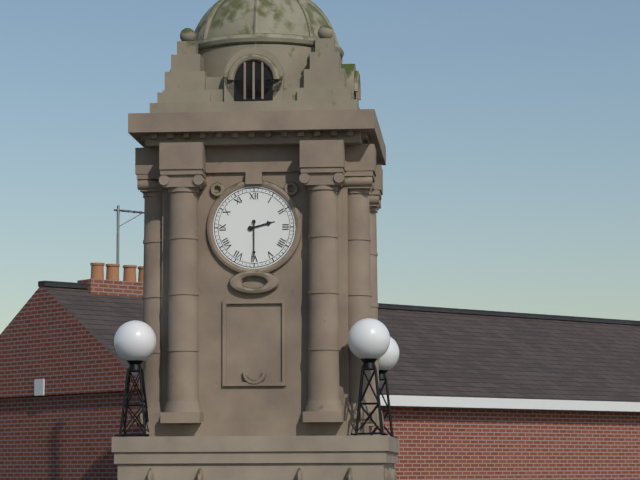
2:30
